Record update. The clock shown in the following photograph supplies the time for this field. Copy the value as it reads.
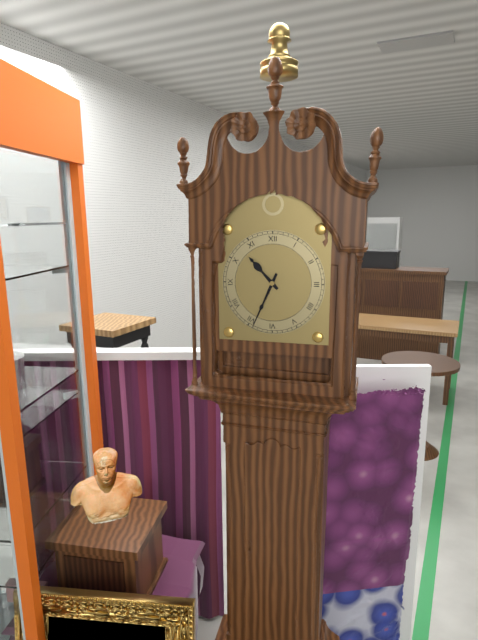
10:34
